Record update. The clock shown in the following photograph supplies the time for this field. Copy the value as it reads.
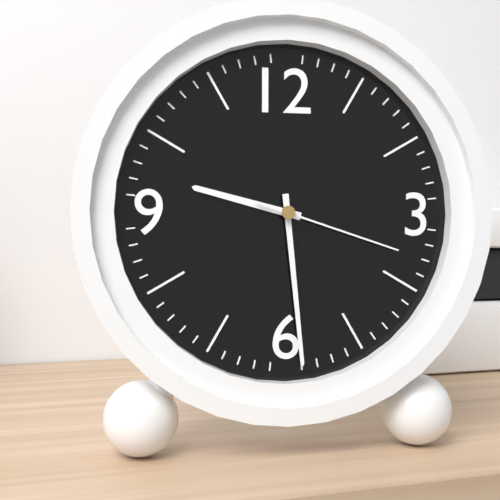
9:29:18
